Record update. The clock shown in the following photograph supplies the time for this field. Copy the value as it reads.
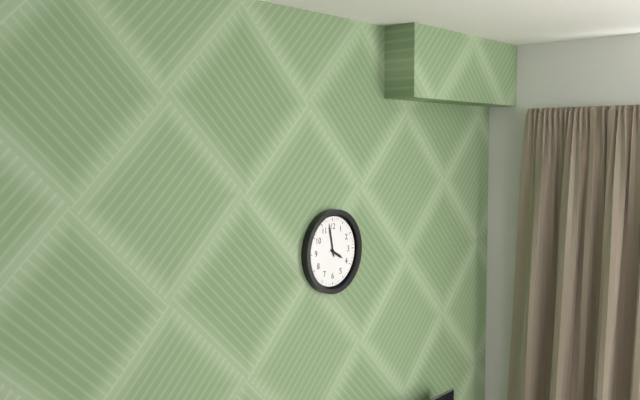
3:58
